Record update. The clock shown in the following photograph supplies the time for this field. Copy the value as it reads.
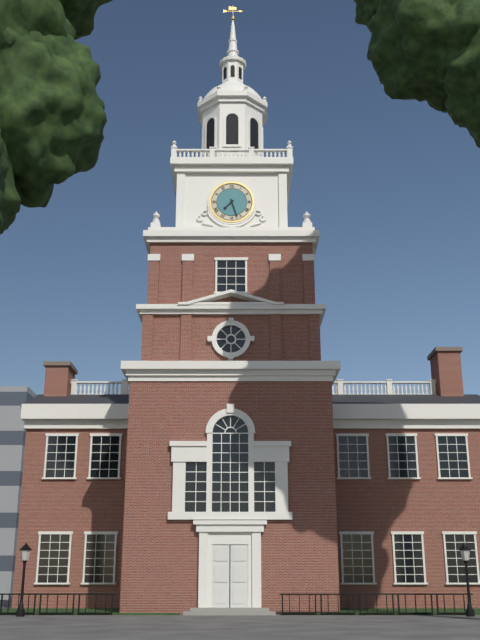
7:27
